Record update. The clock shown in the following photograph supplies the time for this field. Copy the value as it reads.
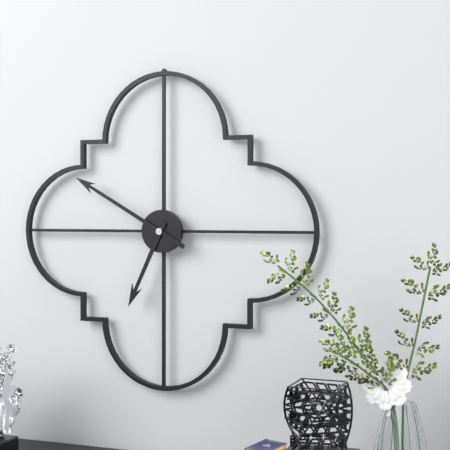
6:50
